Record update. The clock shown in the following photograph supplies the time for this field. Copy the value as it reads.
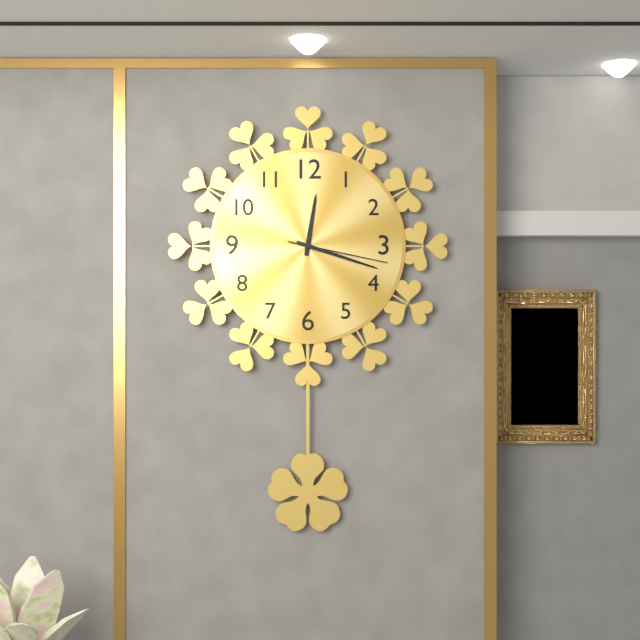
12:18:17
